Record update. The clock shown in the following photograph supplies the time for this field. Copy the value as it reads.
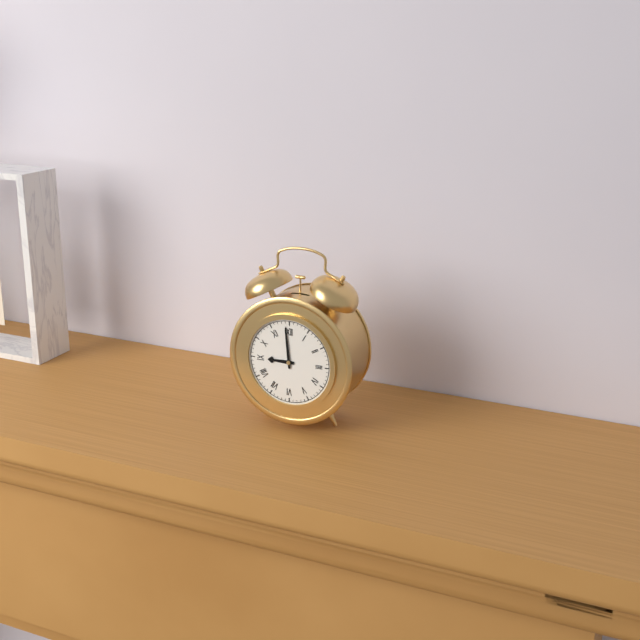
8:59
